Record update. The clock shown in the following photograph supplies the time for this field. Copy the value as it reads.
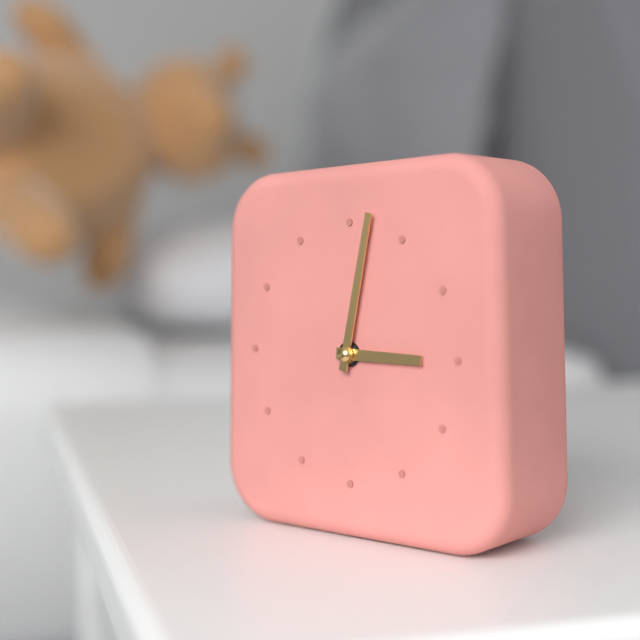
3:02
